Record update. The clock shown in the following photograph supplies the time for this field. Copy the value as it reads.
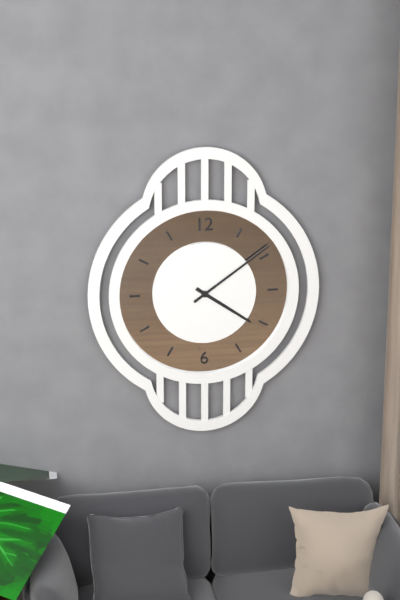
4:09
